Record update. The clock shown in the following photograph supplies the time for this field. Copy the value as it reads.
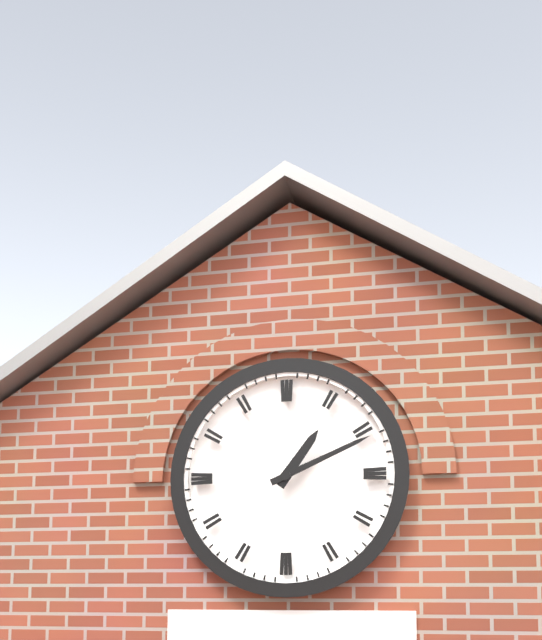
1:11
